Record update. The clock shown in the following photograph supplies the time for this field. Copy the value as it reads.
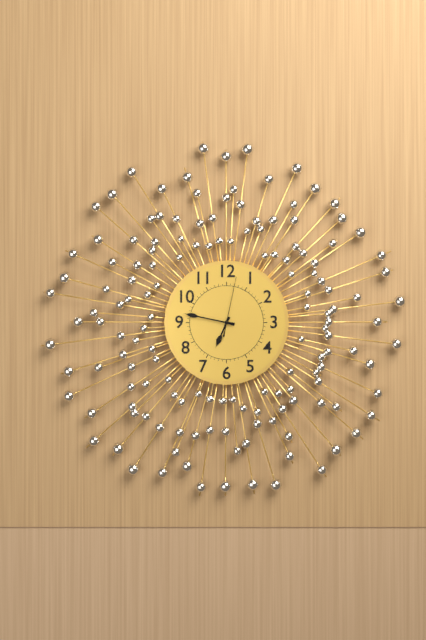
6:47:02
